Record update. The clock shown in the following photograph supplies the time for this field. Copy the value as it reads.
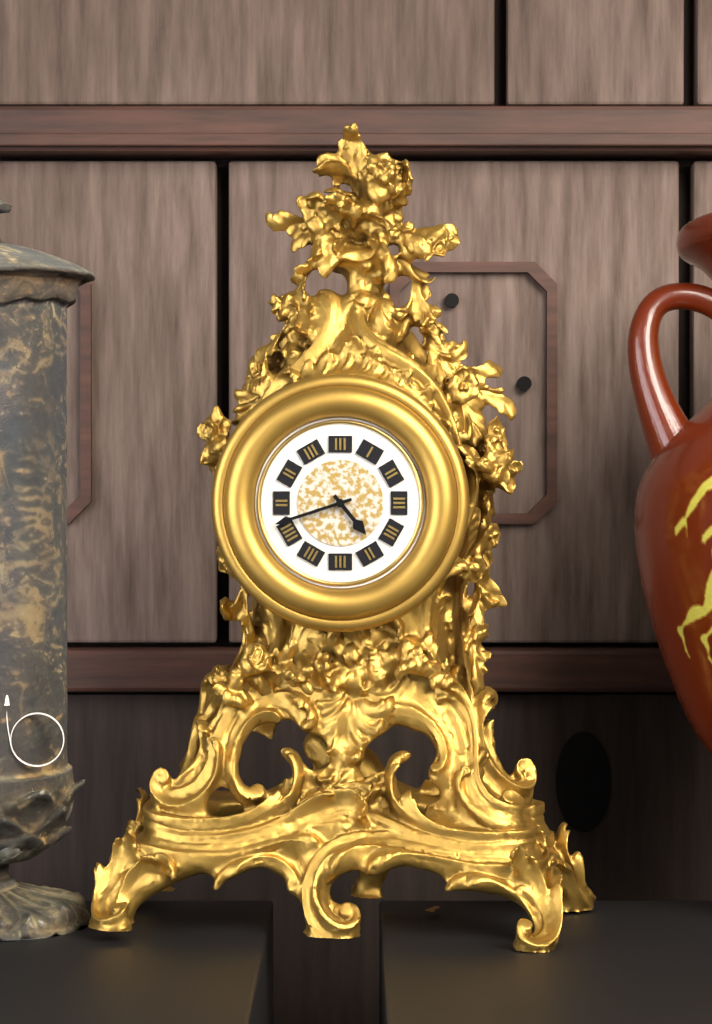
4:42
